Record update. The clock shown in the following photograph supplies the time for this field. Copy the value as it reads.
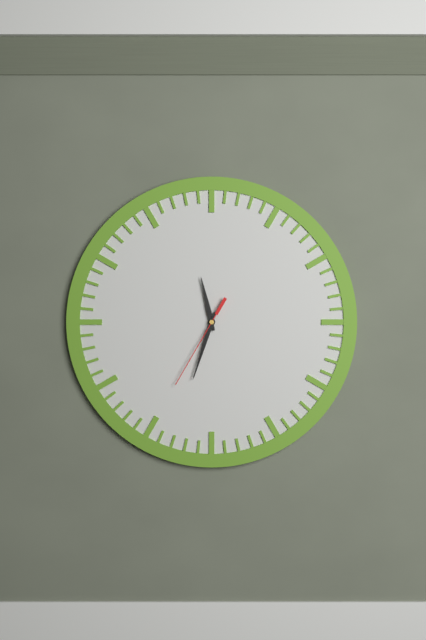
11:33:35
